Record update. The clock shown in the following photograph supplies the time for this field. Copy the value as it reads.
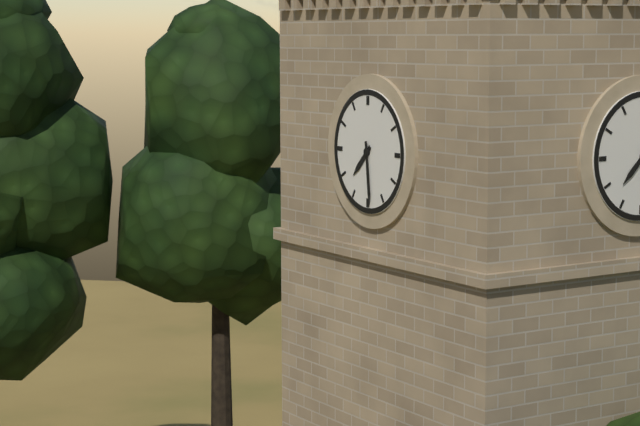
7:29
